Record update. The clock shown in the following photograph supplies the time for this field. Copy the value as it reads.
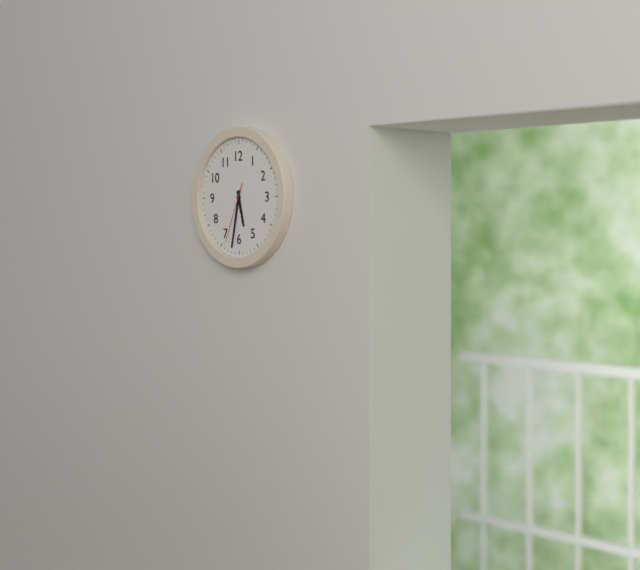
5:32:34
